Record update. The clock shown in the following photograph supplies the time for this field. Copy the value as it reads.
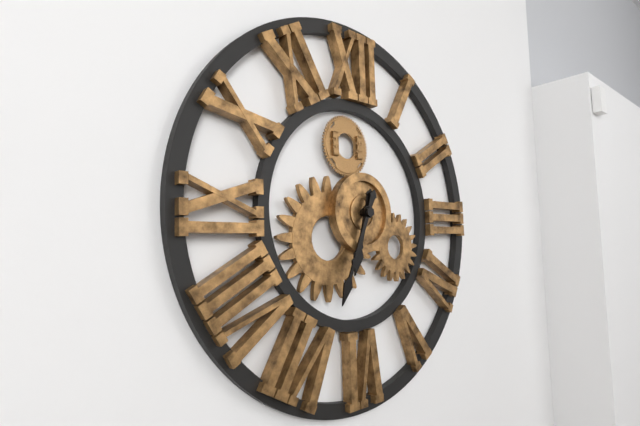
6:34
